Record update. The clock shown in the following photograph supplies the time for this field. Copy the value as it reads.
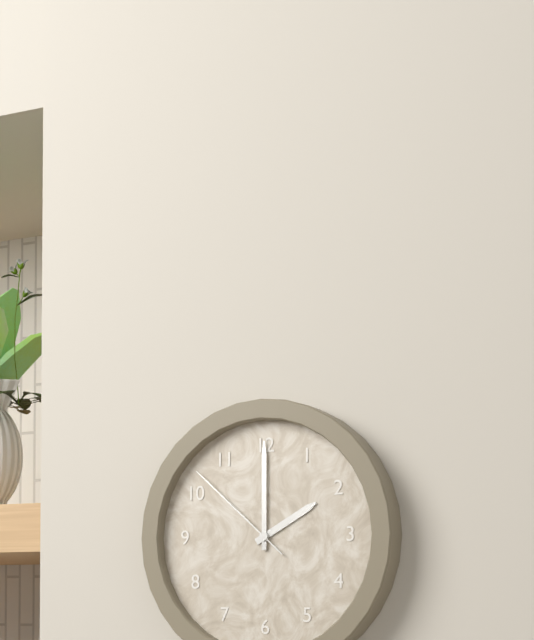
2:00:52
